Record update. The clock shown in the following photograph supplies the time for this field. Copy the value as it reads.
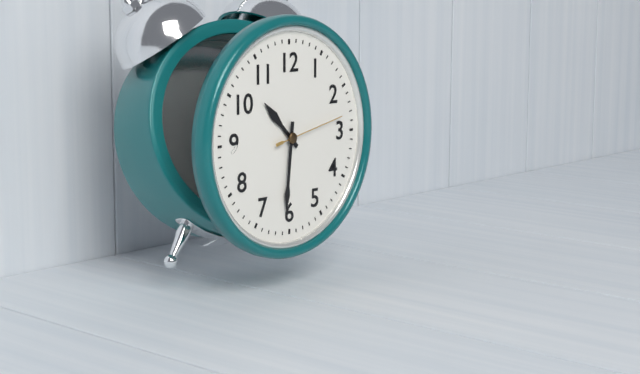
10:31:13
